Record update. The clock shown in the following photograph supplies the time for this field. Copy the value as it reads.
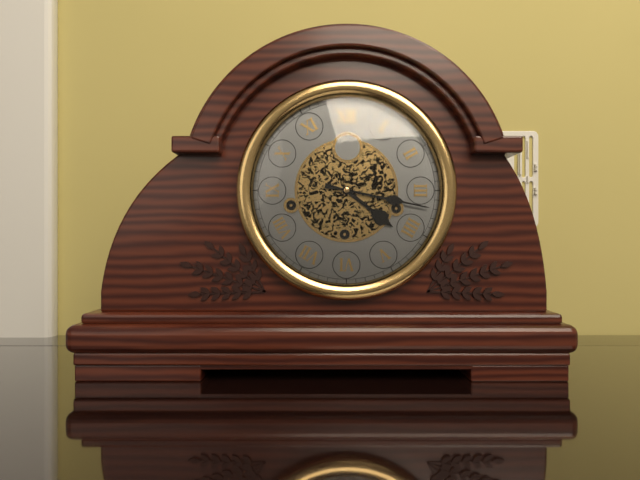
4:17
